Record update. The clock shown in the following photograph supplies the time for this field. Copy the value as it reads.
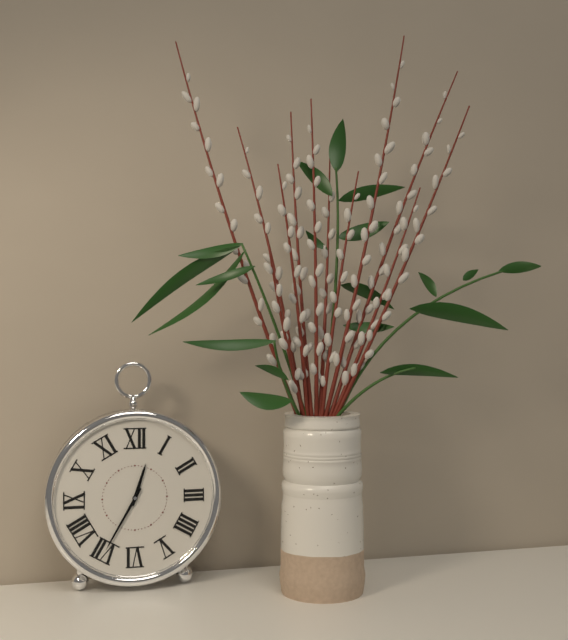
12:35
